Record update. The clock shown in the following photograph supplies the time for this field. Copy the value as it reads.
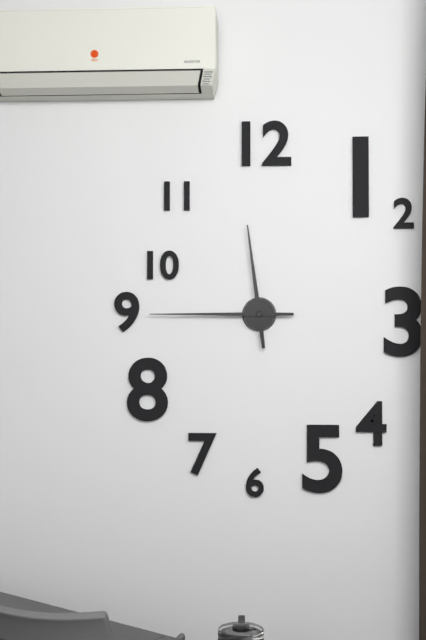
11:45
